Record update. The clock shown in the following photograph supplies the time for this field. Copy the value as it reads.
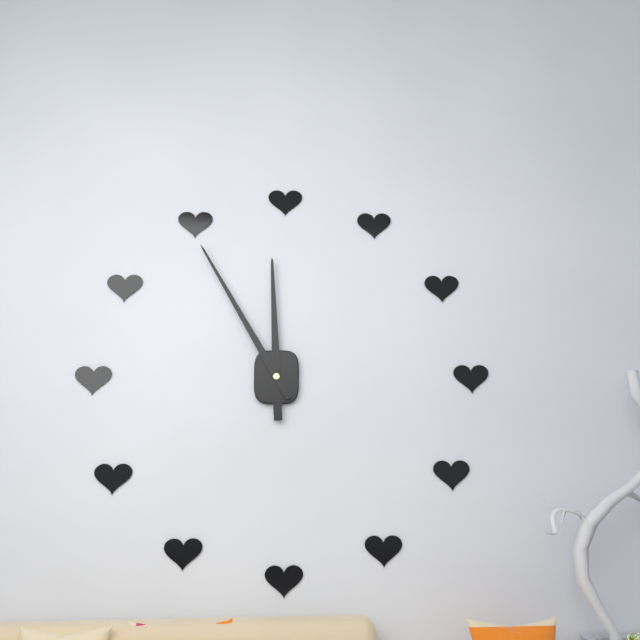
11:55
